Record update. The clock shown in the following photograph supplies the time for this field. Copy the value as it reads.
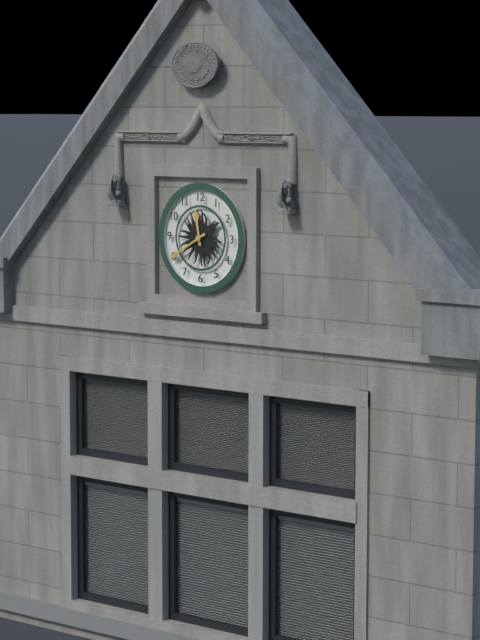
11:40
